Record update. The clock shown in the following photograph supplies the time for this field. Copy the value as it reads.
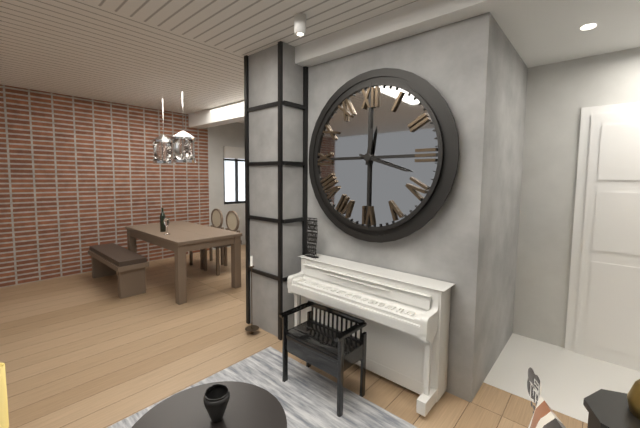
12:18
